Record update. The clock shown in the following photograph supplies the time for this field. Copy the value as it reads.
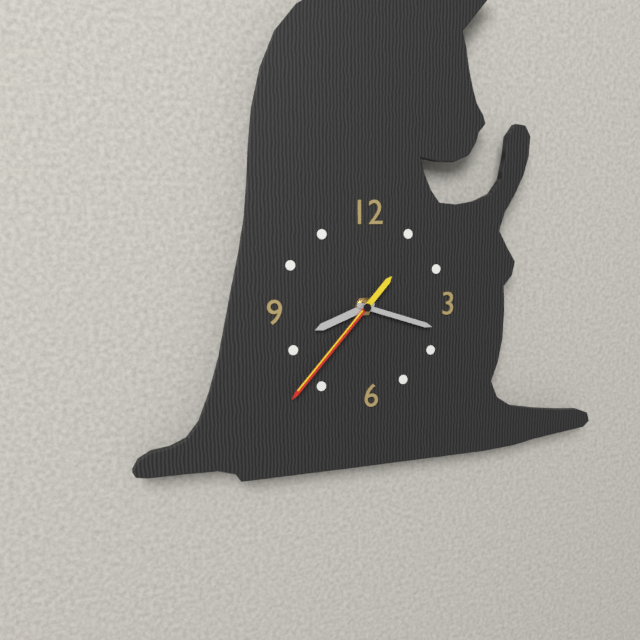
8:18:37
